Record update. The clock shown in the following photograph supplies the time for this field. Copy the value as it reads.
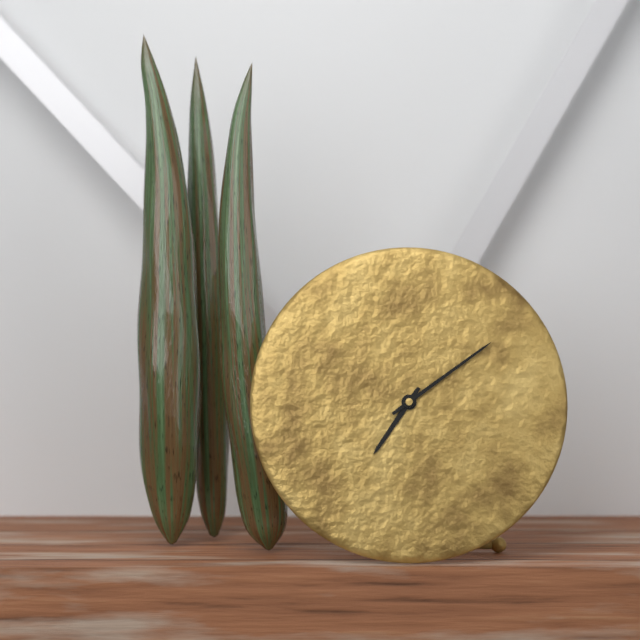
7:09
